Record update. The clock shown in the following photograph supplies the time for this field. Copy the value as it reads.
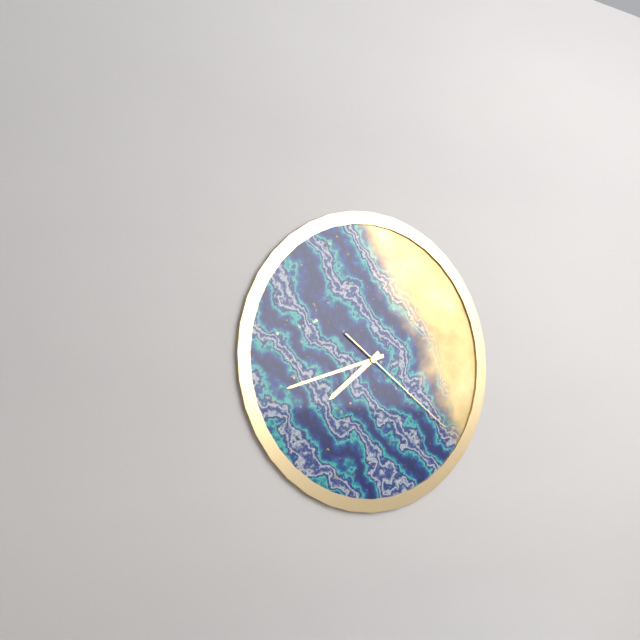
7:42:21
